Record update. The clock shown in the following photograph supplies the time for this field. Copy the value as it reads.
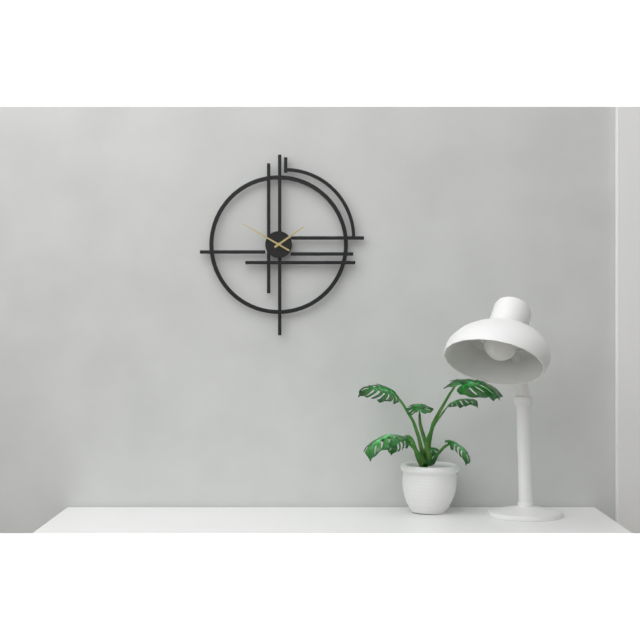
1:50
